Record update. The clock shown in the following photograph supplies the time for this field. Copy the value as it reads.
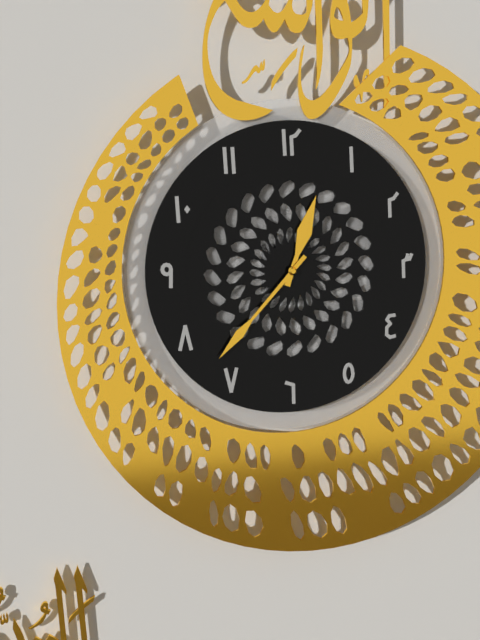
12:37
